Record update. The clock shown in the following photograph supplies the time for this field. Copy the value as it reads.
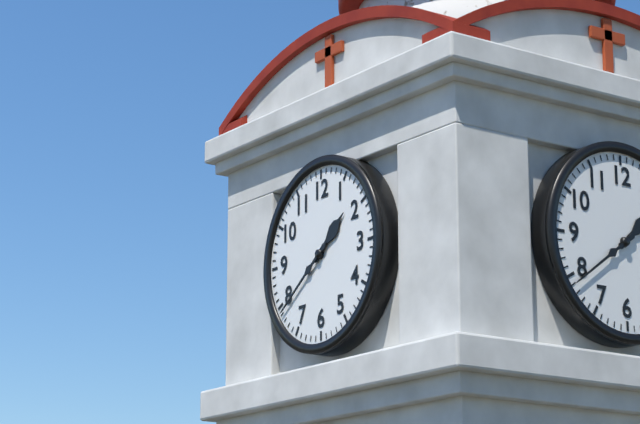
1:39
